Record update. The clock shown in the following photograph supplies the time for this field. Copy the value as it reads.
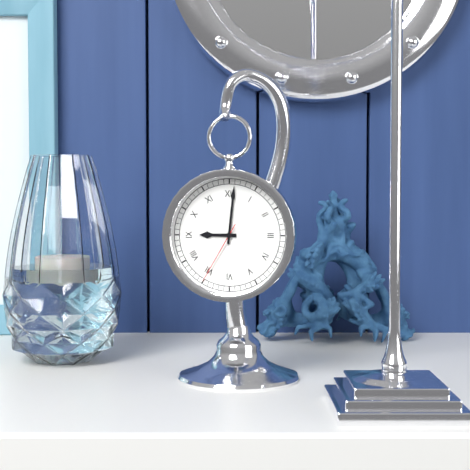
9:01:35
